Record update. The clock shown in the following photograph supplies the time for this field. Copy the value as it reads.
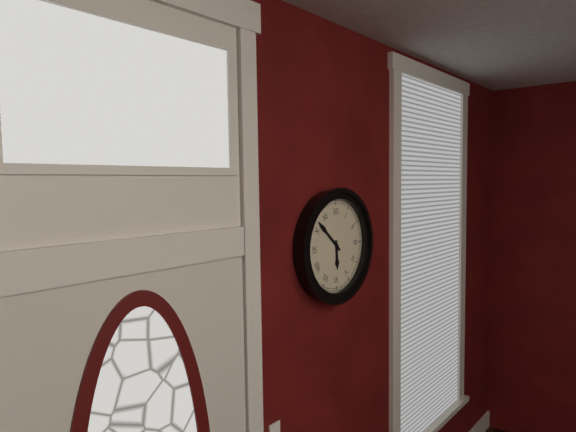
5:52
